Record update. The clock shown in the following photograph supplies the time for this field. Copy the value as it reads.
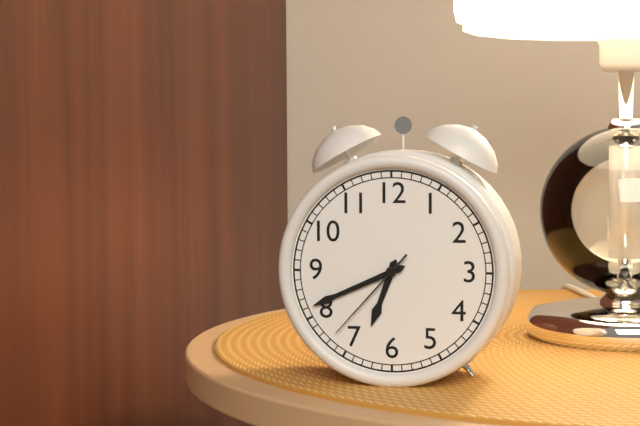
6:41:37
